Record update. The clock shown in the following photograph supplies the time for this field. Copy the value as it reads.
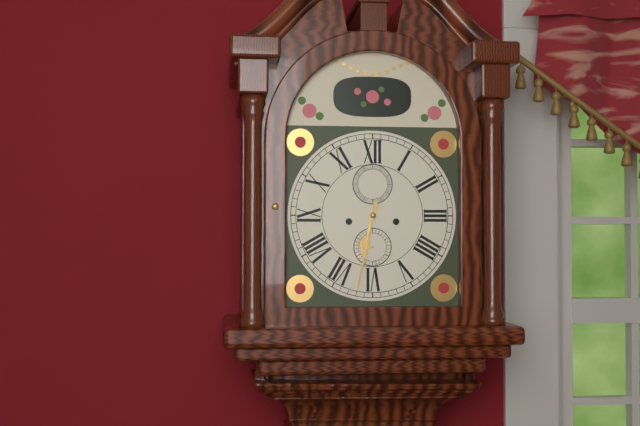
6:32
